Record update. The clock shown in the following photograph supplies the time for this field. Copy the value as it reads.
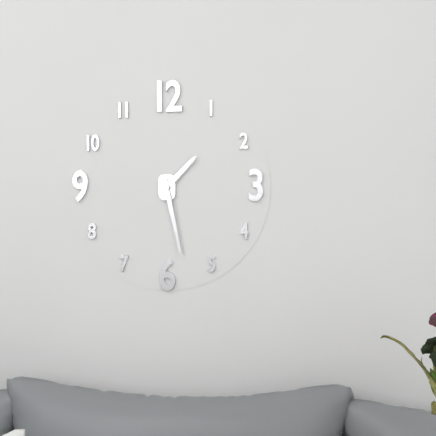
1:28
